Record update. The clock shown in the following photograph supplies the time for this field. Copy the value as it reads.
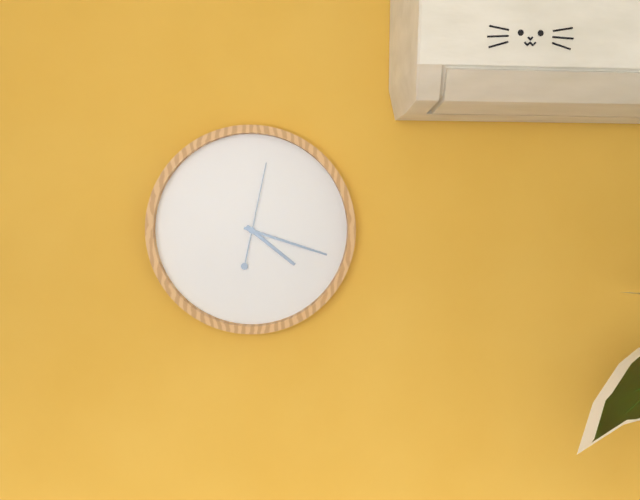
4:18:02
